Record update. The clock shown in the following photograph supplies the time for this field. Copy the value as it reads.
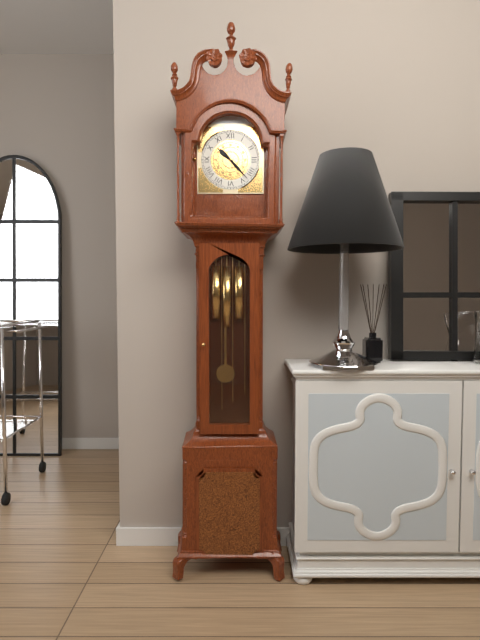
10:23
